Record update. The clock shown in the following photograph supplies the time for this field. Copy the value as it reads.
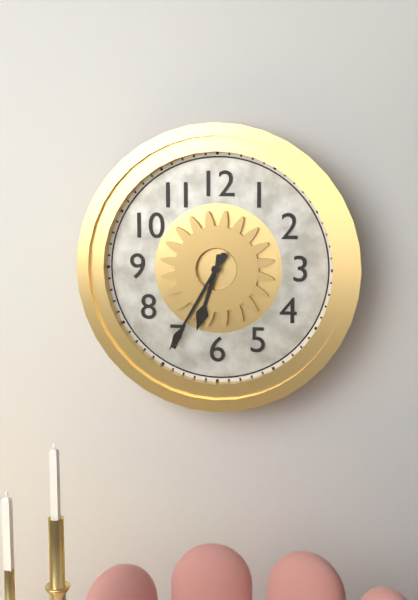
6:35
